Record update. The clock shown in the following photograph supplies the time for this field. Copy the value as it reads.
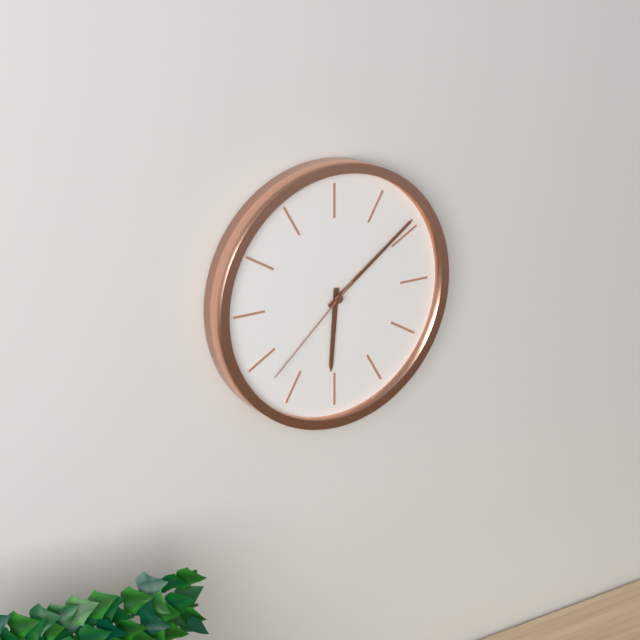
6:09:38
